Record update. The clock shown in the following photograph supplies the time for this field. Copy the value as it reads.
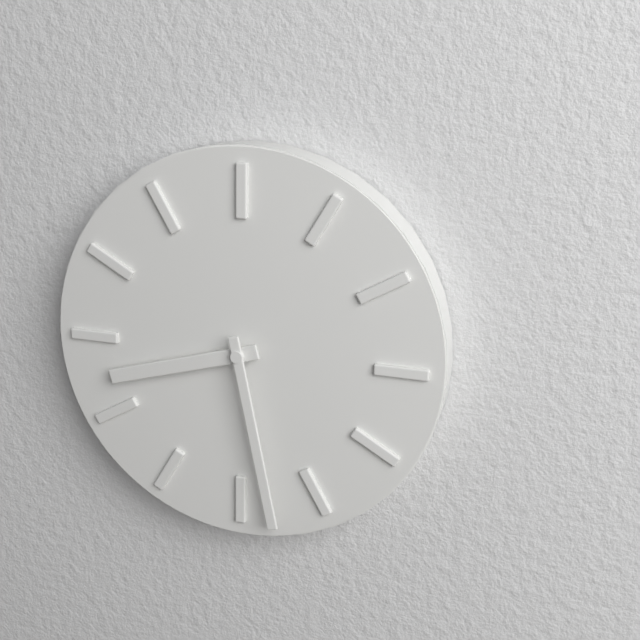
8:28
